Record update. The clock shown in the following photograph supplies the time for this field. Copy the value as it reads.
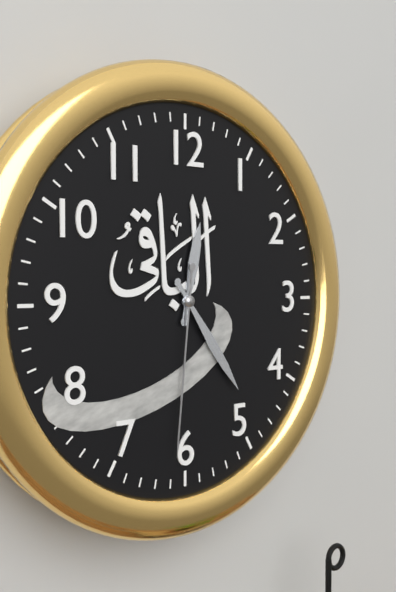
12:24:31
